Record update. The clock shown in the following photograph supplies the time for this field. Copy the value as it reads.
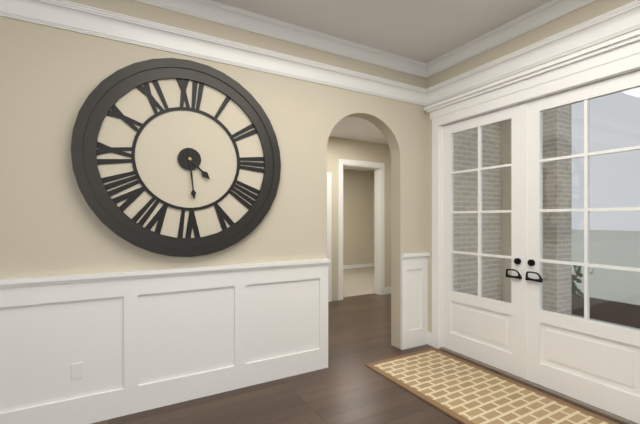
4:29
